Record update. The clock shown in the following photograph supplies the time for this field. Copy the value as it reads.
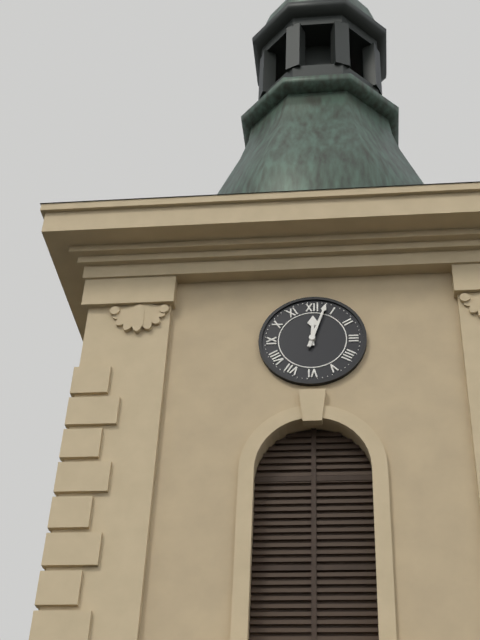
12:03
